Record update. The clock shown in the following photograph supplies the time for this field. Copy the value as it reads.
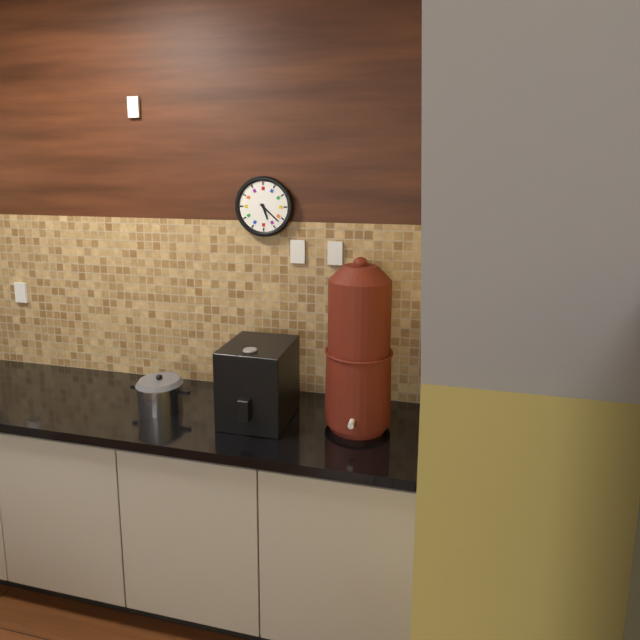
5:22
